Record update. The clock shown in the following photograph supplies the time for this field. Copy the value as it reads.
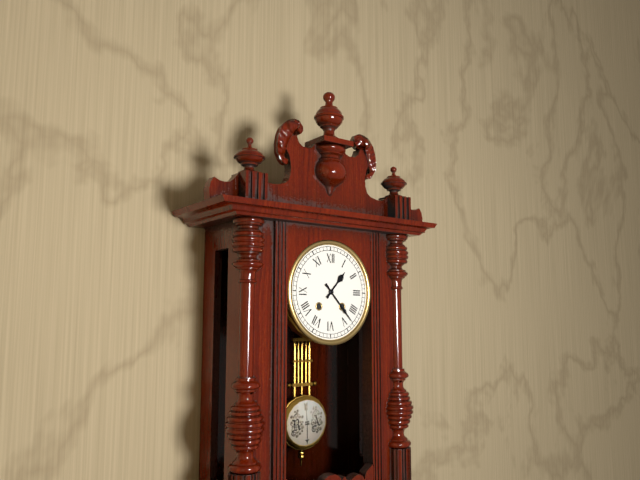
1:23
